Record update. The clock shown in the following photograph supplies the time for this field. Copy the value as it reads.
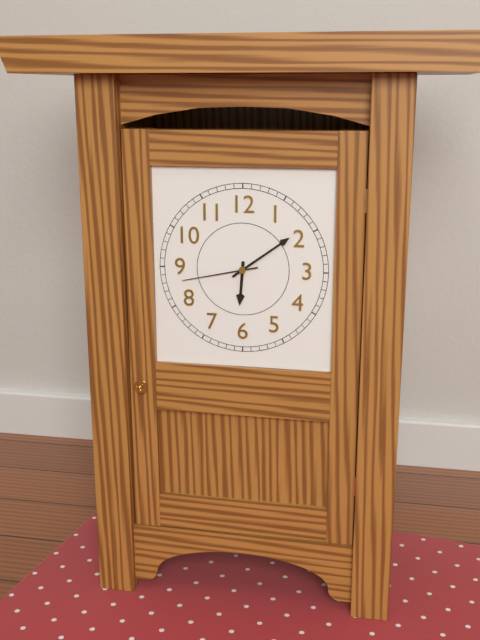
6:09:43
